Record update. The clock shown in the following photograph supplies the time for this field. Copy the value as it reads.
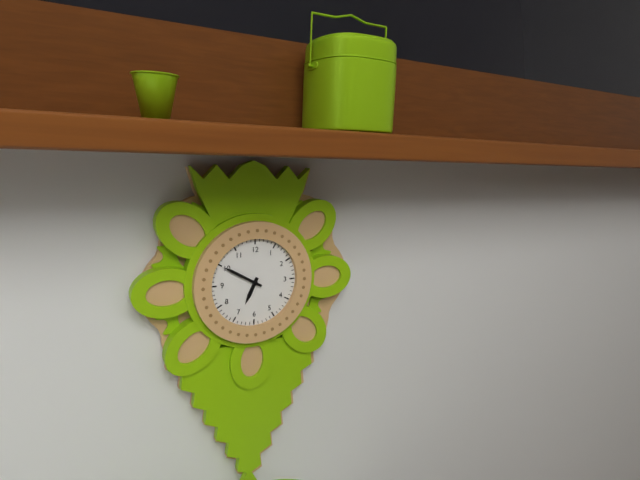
6:50
